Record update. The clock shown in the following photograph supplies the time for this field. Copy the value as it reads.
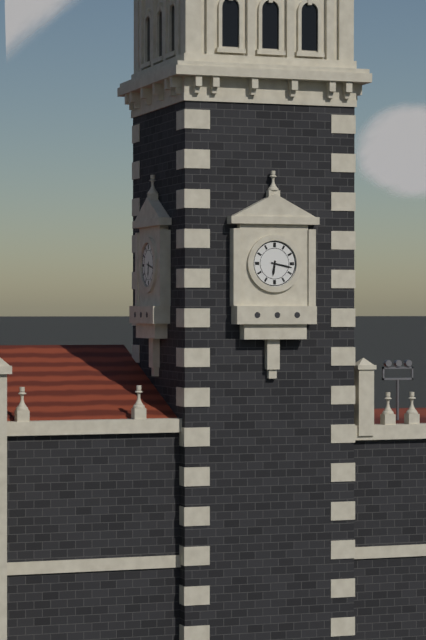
6:17
